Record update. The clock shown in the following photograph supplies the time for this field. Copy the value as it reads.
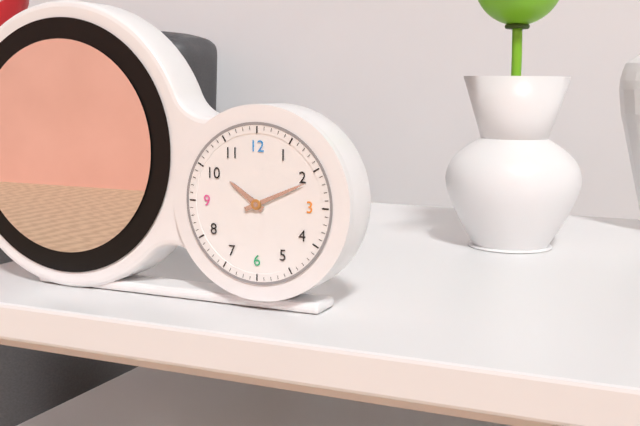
10:11
